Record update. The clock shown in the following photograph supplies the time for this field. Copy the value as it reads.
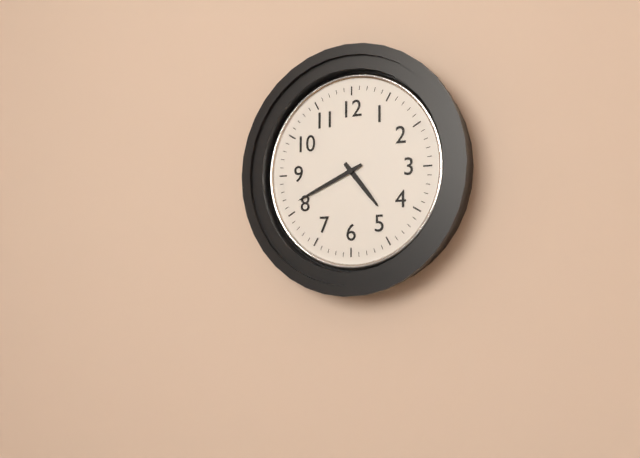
4:41
